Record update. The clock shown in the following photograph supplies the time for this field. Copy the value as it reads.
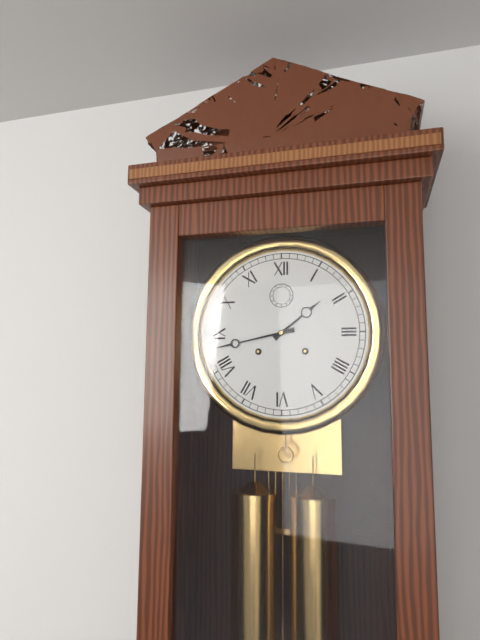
1:43
